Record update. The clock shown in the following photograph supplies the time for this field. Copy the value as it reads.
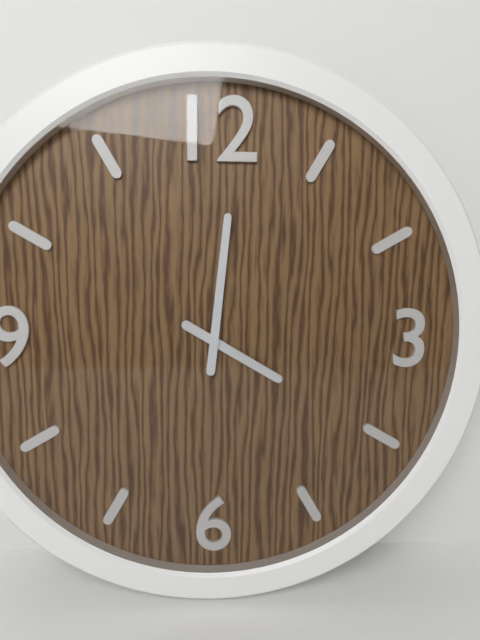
4:01
